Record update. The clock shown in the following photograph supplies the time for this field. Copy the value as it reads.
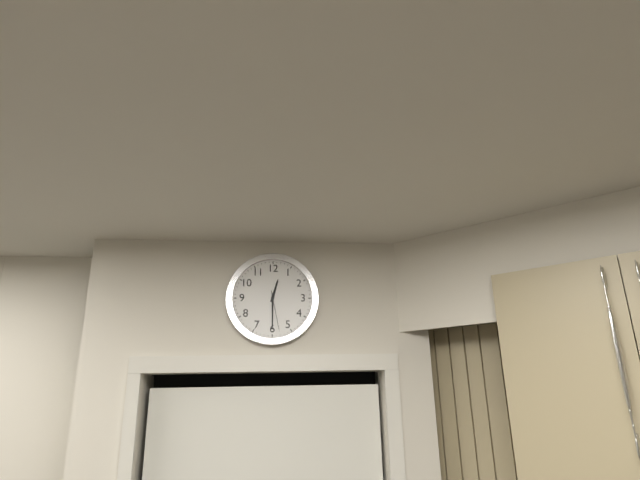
12:30
